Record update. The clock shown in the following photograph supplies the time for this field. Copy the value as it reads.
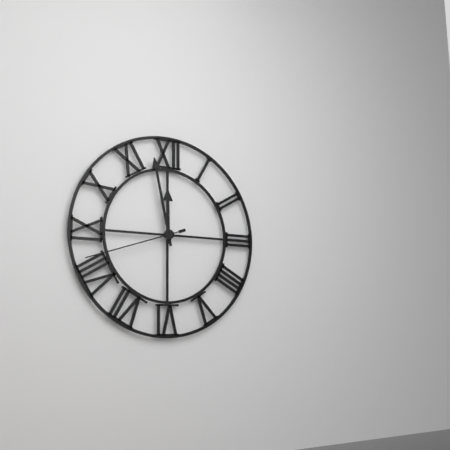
11:58:42
